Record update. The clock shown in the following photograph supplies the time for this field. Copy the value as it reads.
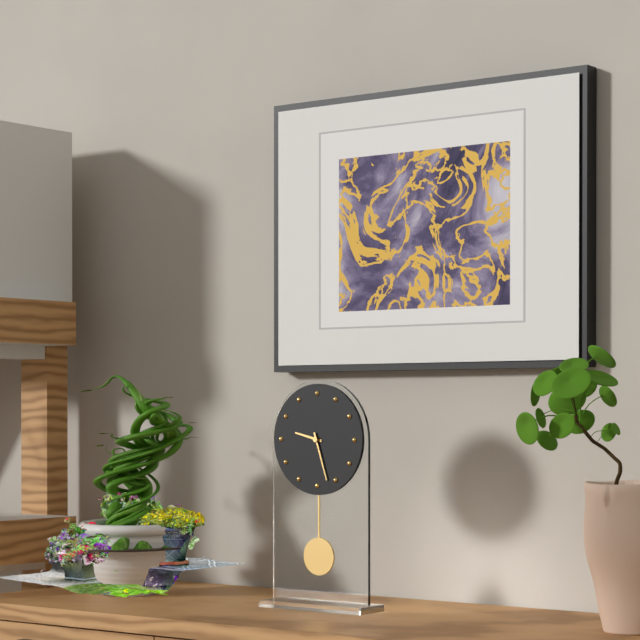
9:27
